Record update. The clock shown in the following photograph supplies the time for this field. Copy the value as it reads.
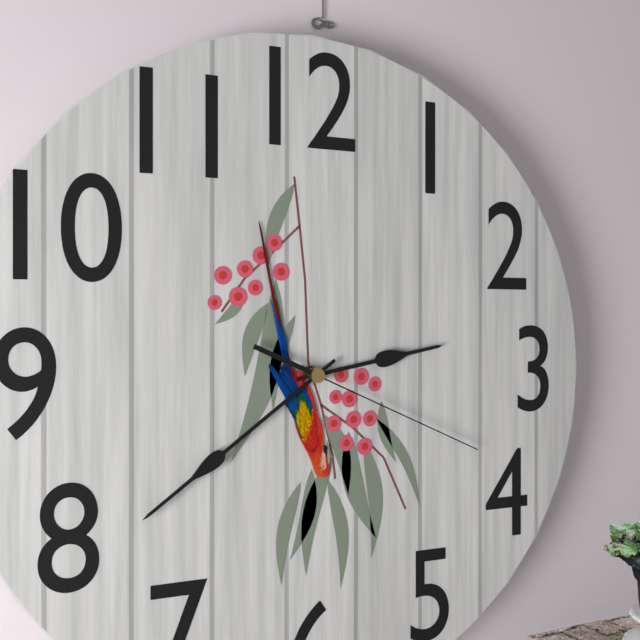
2:39:19
